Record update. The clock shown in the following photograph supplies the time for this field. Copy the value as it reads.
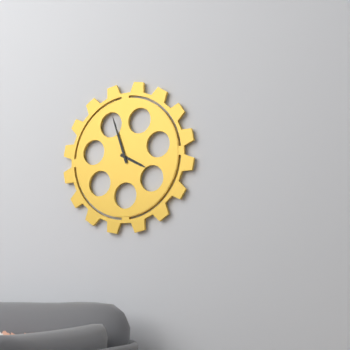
3:57
